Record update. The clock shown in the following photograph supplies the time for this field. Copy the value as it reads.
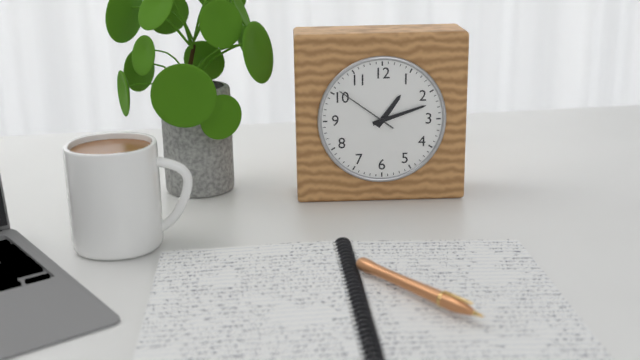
1:12:51
